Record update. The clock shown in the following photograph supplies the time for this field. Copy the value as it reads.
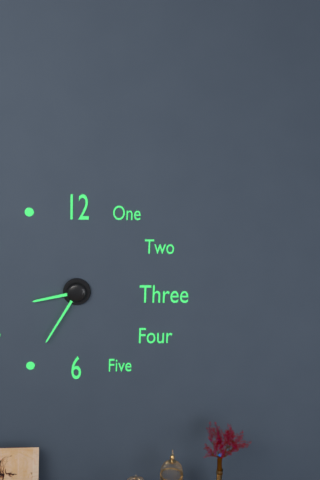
8:35
